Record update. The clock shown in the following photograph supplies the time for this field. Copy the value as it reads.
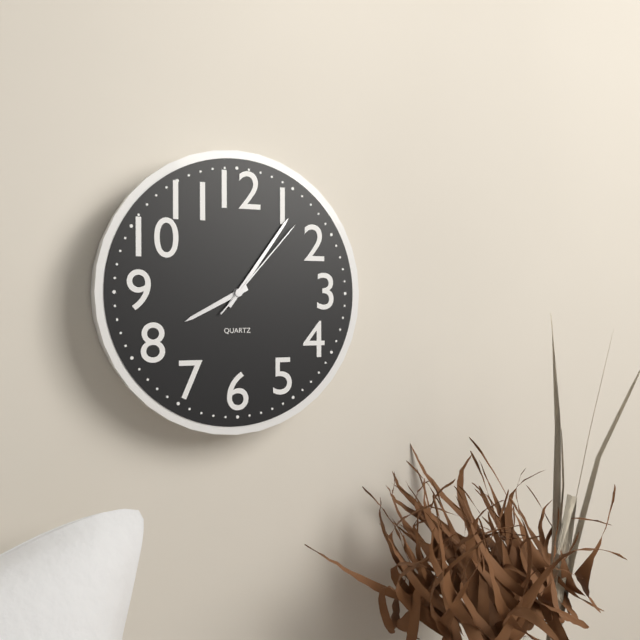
8:06:07
